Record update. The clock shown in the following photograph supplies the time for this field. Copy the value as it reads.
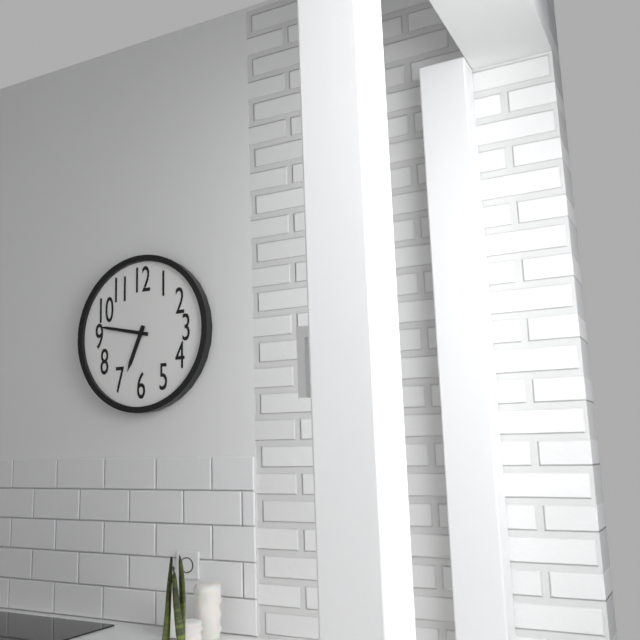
6:47
